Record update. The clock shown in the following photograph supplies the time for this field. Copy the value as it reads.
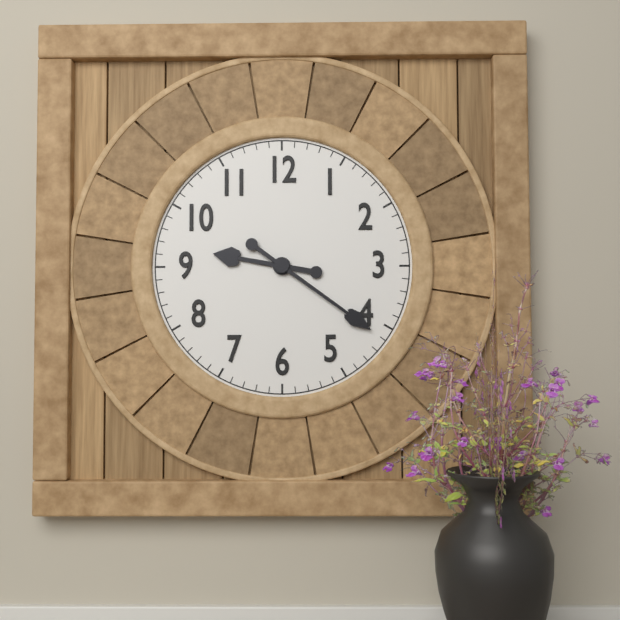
9:21
